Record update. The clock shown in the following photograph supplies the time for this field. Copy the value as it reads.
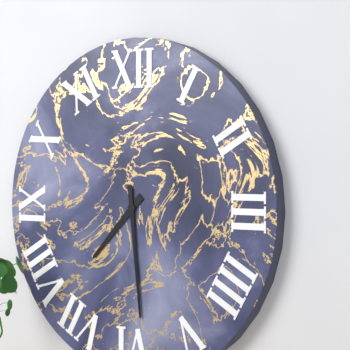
7:29
